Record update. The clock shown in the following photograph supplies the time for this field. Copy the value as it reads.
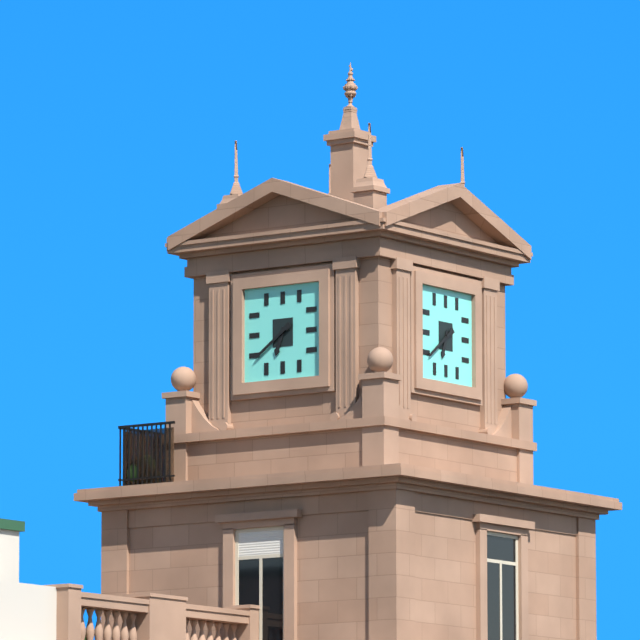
6:39
